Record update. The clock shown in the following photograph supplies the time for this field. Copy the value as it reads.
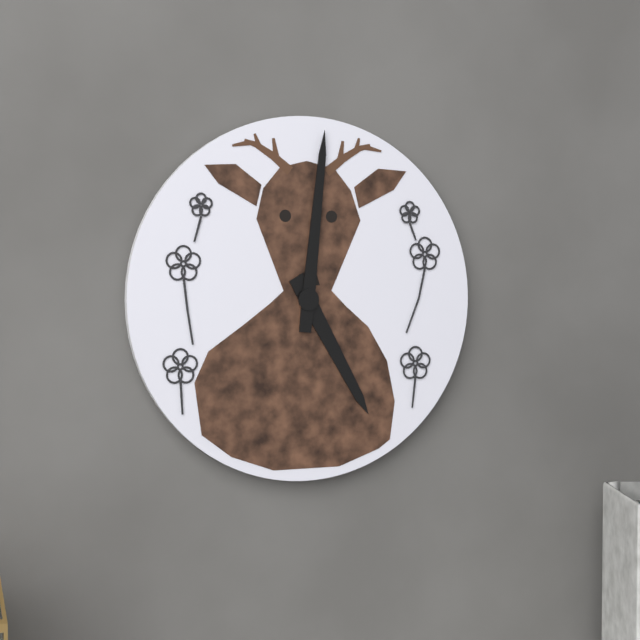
5:01
